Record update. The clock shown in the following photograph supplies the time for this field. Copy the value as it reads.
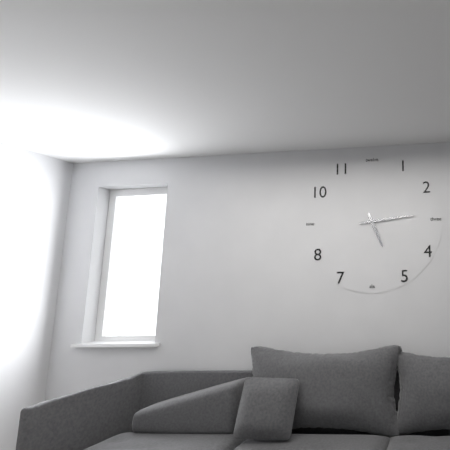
5:14
